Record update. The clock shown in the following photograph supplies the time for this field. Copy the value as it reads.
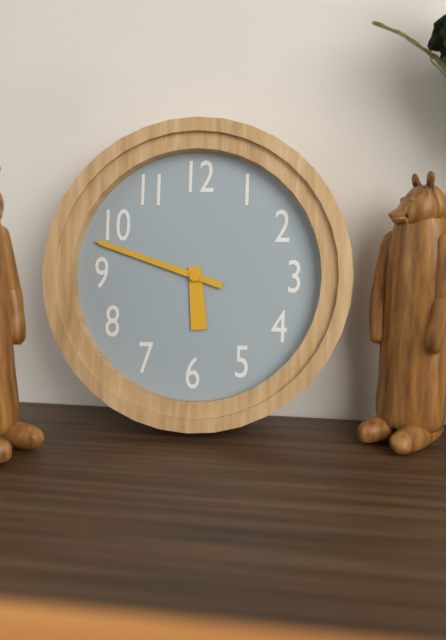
5:48
